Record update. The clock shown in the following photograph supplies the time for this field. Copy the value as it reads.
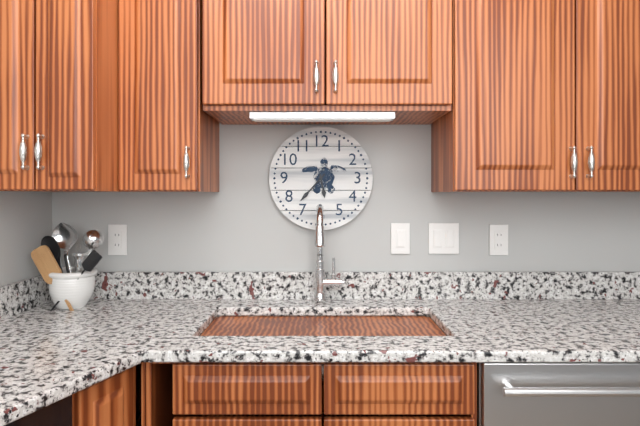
5:37
